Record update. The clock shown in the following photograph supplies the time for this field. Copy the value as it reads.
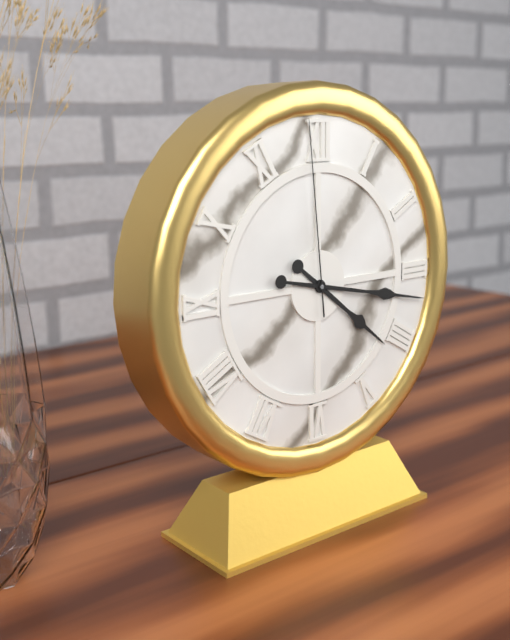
4:17:59
